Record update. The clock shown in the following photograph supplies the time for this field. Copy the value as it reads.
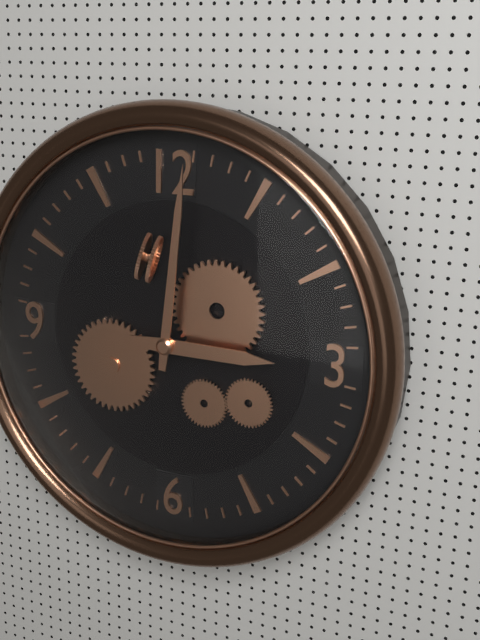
3:01
